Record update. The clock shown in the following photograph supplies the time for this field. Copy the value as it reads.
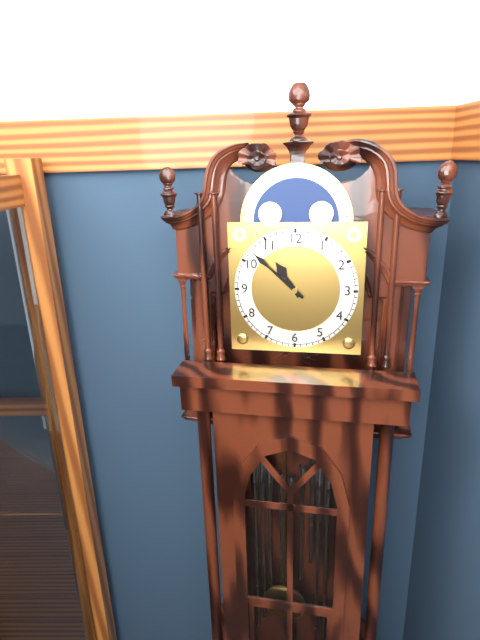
10:52
